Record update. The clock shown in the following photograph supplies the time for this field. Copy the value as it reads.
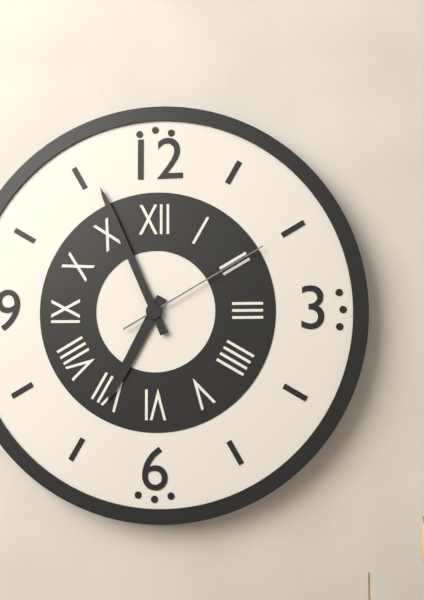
6:56:10
